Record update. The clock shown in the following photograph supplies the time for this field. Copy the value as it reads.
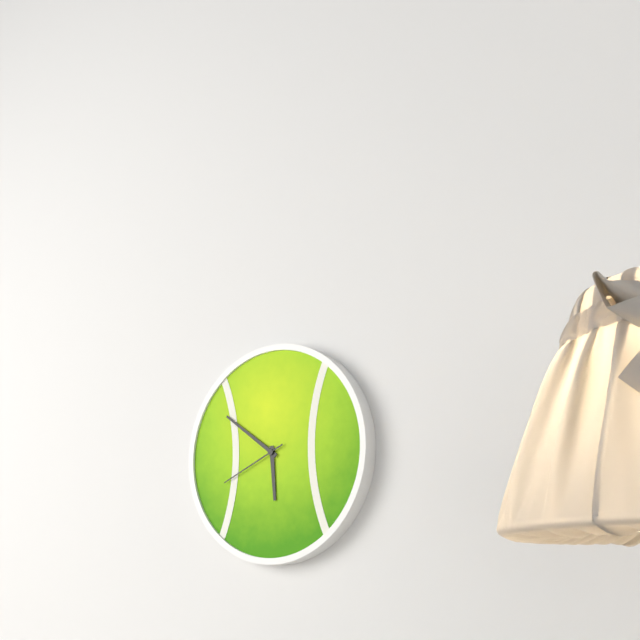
5:51:41
